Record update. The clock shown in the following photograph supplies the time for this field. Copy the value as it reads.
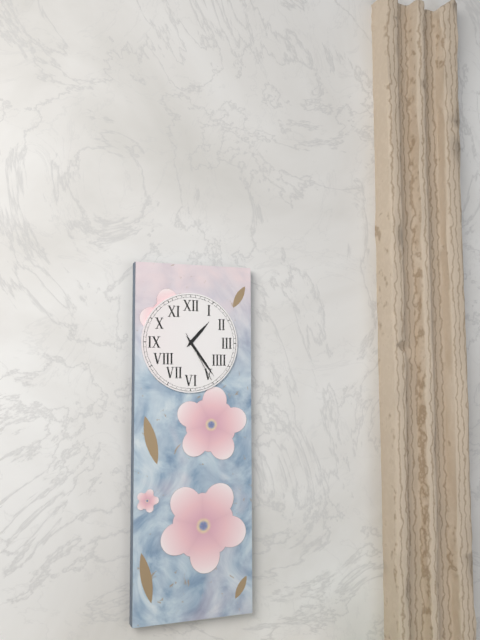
1:24:25
